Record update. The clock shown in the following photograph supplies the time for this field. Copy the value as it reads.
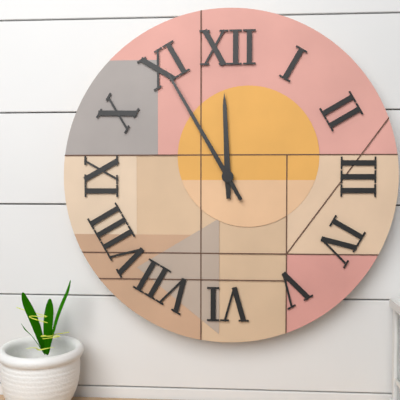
11:55
